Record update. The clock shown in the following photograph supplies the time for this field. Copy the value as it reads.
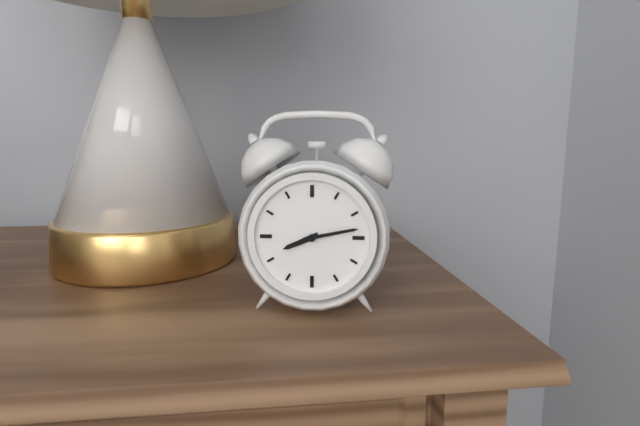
8:13
